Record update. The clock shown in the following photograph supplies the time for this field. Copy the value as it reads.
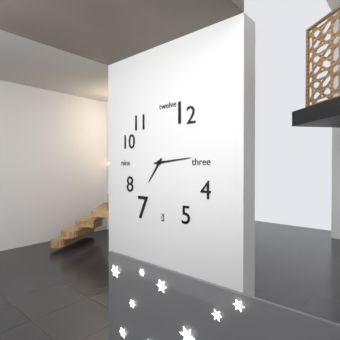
7:14
